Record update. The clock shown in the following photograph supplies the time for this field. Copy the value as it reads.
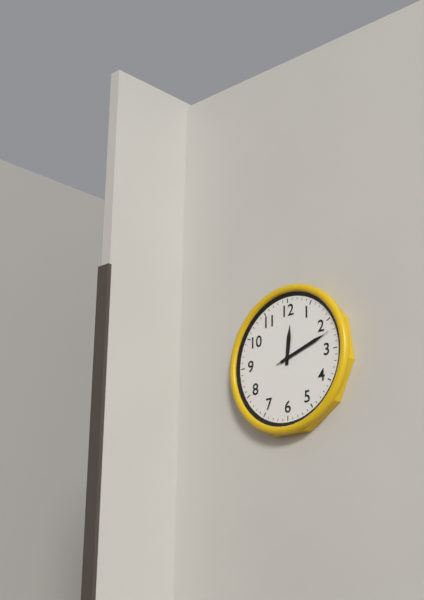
12:12:12
